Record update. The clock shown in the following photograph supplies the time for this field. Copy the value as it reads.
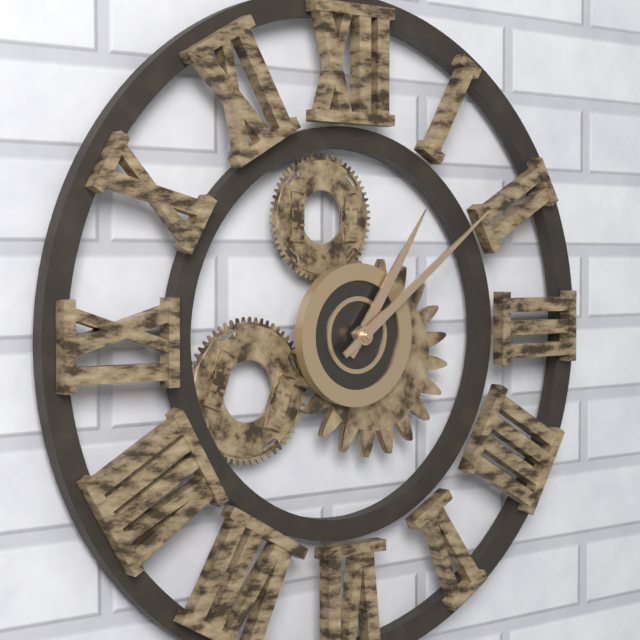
1:09
